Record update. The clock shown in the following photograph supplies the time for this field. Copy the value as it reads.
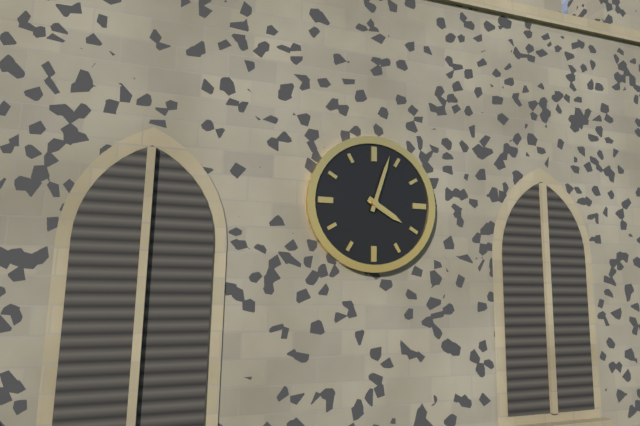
4:03
